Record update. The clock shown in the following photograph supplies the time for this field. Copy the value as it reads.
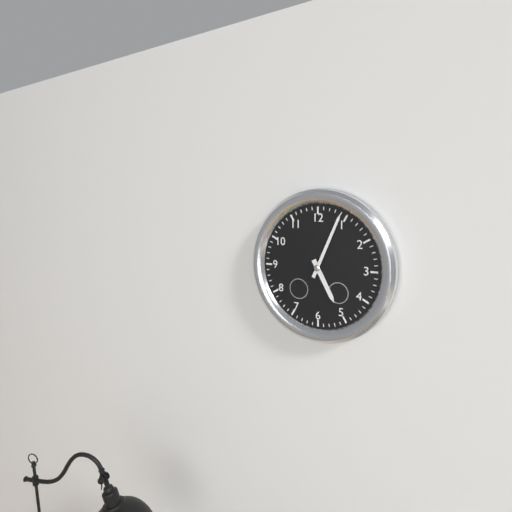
5:04
